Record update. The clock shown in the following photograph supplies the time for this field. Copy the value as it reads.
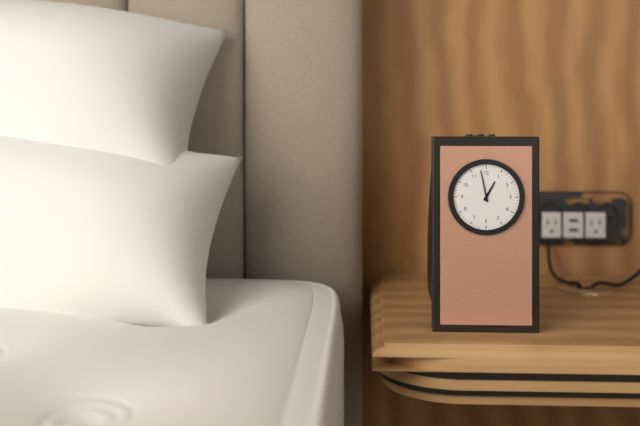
12:58
